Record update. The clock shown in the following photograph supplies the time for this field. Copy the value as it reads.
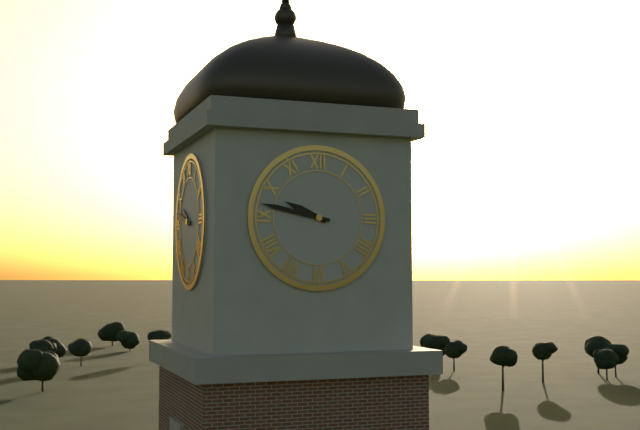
9:47
